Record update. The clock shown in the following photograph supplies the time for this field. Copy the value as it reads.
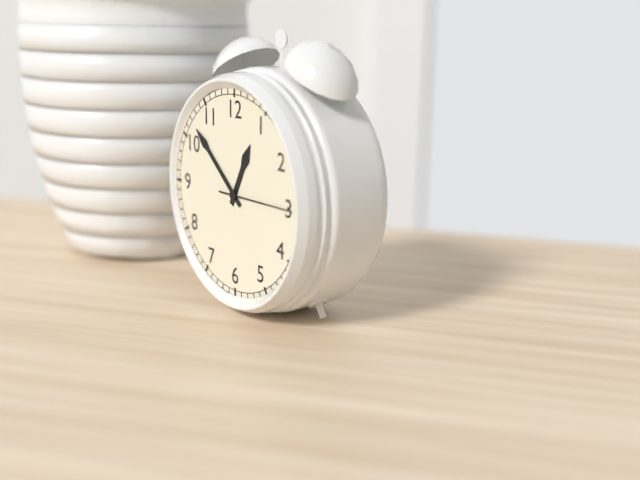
12:52:15
